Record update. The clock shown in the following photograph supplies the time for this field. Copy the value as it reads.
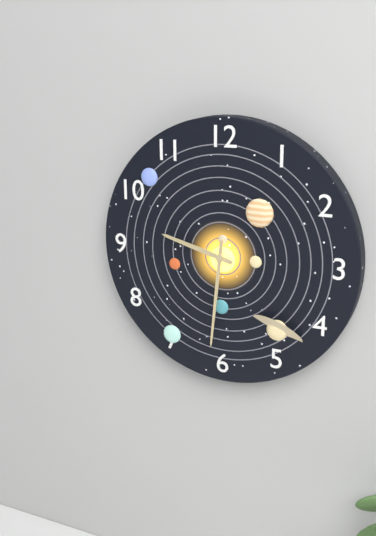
9:31
